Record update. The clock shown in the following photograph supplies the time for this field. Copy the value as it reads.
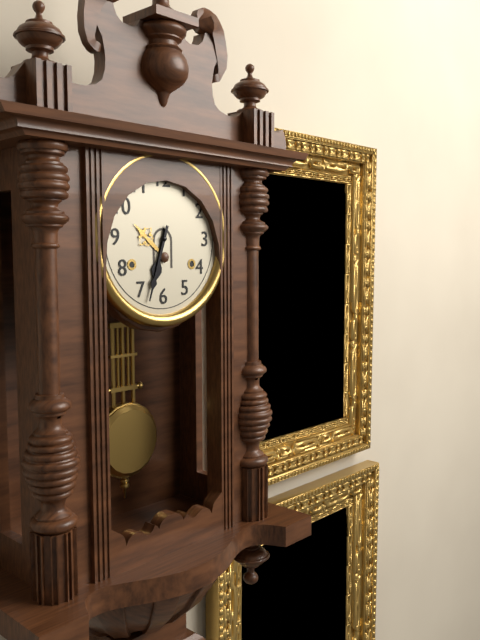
6:33
